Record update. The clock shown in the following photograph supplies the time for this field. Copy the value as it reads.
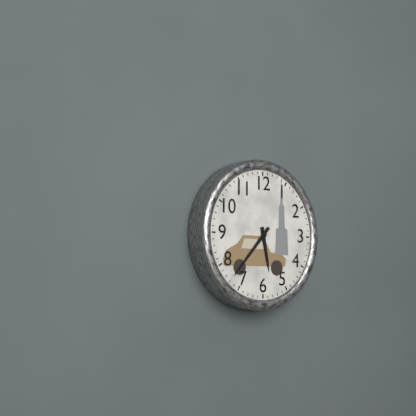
5:37
